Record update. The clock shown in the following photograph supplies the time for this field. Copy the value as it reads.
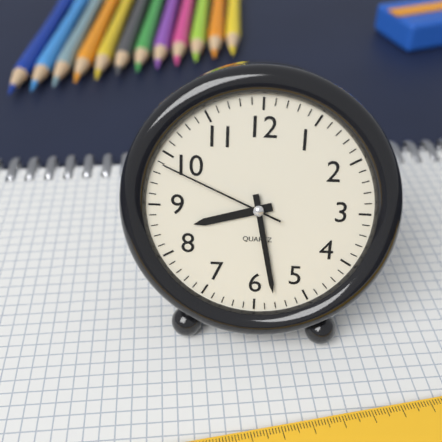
8:28:49
